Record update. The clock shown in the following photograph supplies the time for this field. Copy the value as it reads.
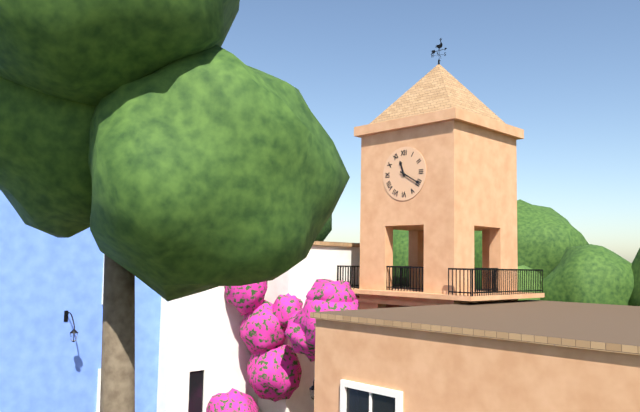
11:20
